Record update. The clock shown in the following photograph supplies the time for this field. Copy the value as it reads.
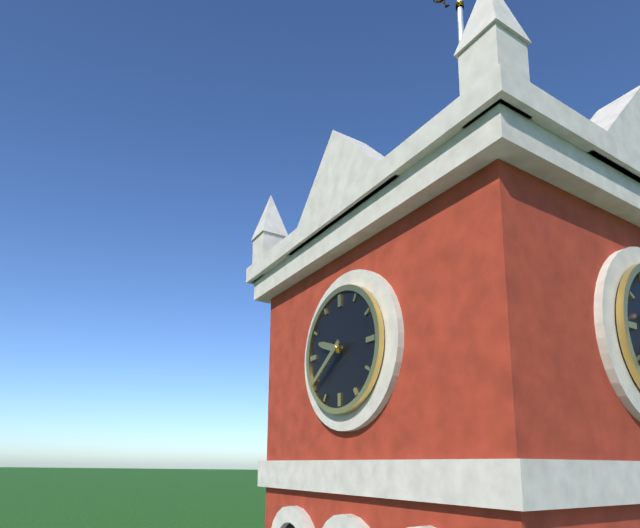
9:39
